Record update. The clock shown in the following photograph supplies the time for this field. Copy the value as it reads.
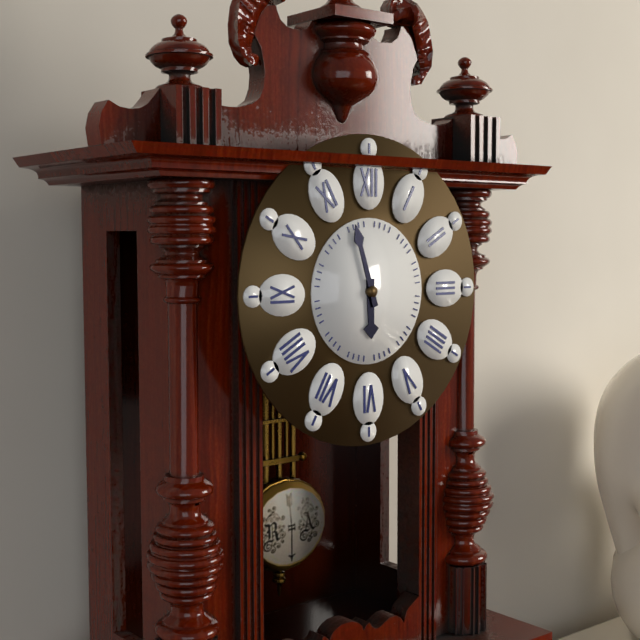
5:57
